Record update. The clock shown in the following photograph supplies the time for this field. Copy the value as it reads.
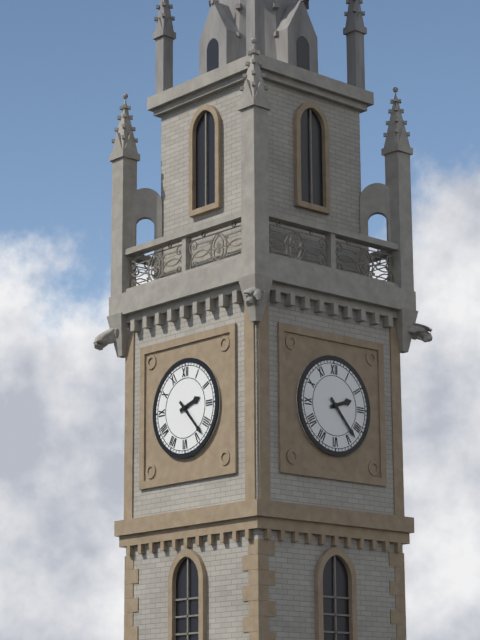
2:23
